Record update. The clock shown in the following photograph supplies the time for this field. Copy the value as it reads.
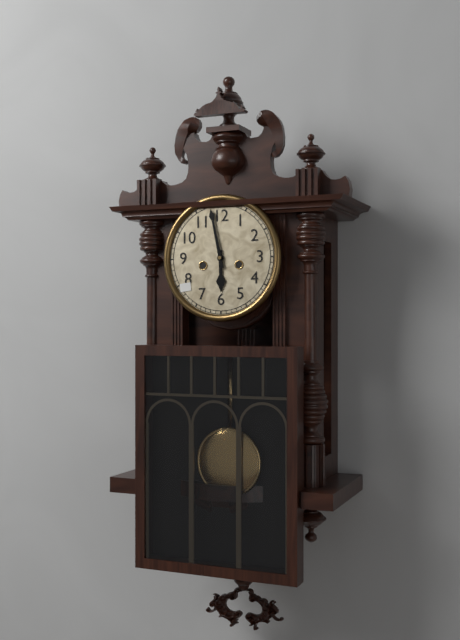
5:58
